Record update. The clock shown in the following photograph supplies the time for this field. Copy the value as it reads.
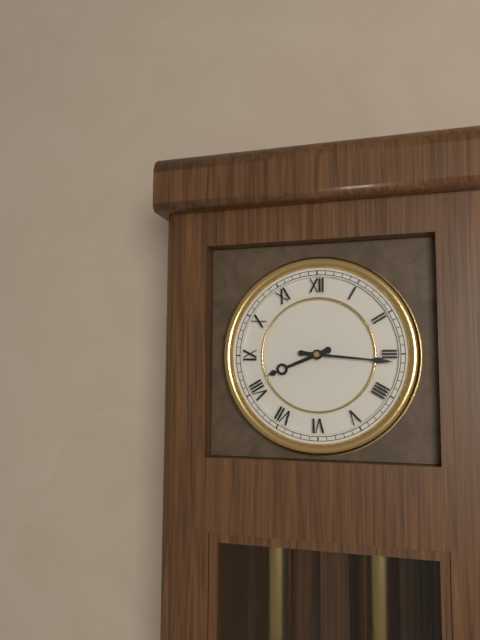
8:16
